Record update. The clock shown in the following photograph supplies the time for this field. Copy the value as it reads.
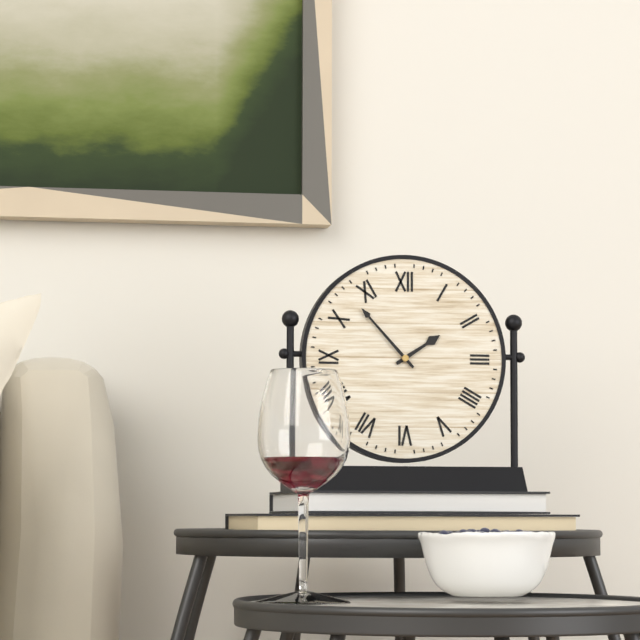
1:53
